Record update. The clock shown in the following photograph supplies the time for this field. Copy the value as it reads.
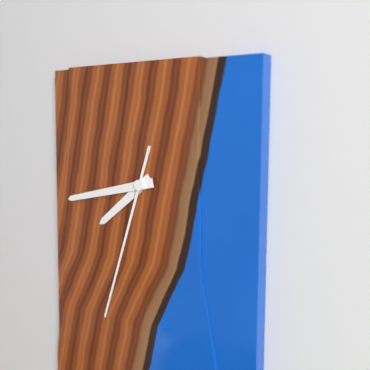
7:43:33
